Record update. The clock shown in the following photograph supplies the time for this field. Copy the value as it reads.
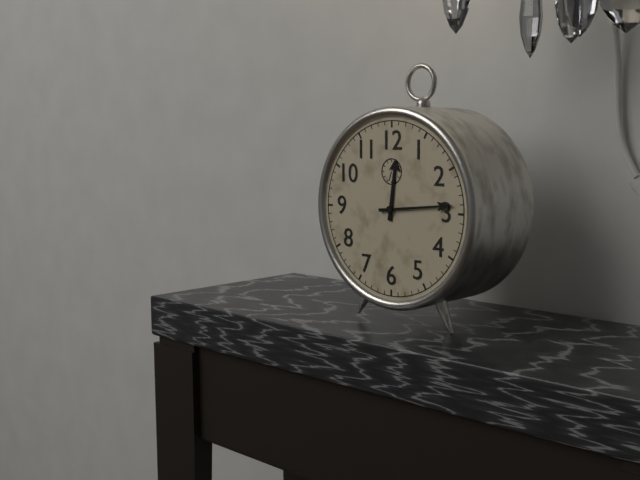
12:14
